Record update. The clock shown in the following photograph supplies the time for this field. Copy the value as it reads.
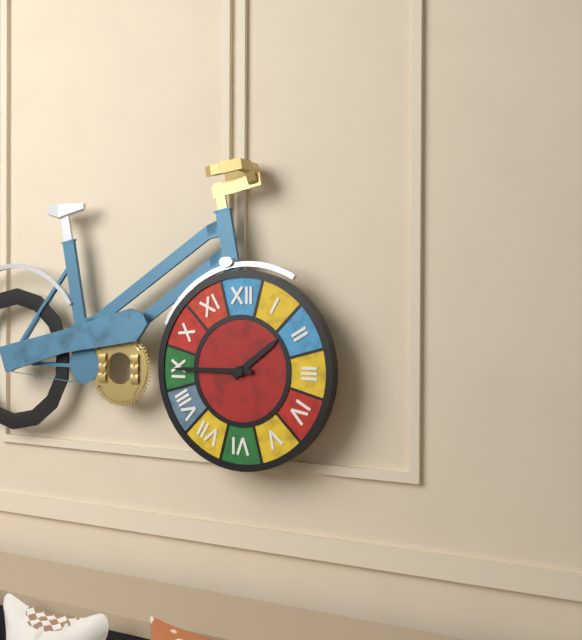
1:45
